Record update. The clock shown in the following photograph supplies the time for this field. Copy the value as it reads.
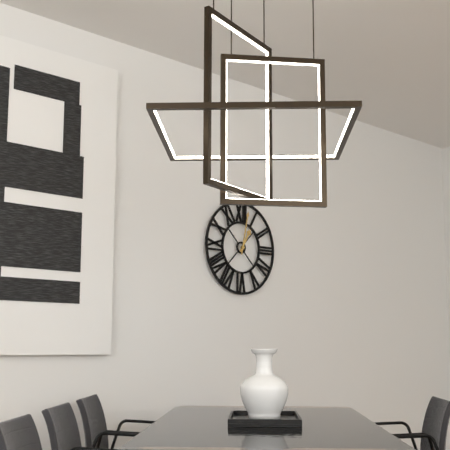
1:02
